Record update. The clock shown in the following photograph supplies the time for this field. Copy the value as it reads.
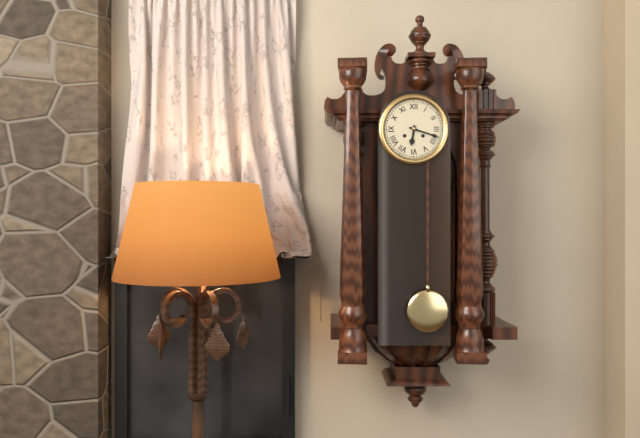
6:18
